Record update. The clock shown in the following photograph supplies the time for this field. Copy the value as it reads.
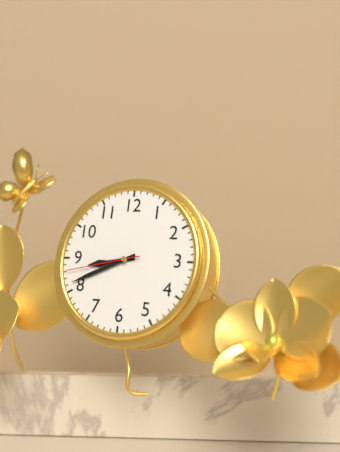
8:41:43
